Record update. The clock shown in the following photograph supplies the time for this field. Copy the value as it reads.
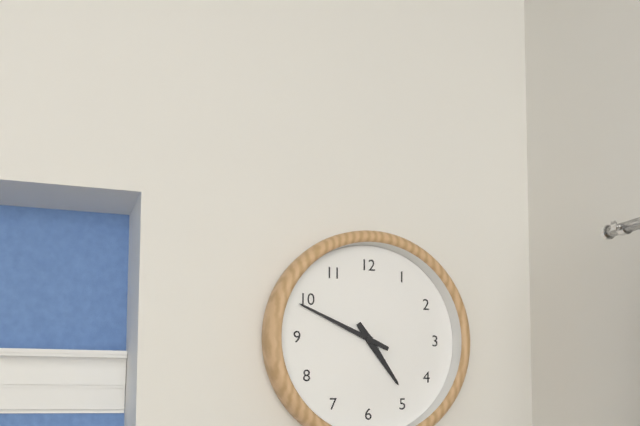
4:49
